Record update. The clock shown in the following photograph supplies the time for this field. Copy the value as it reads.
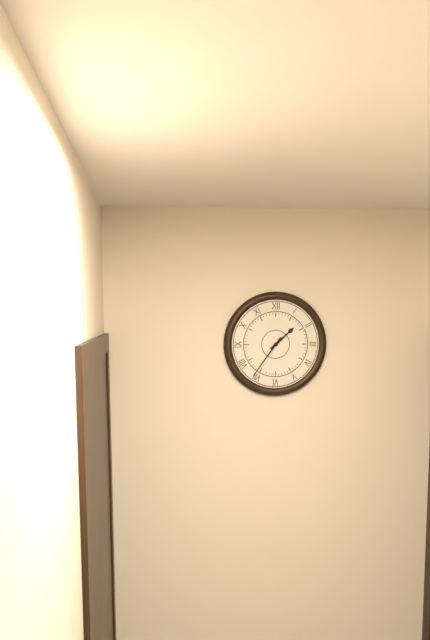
1:36
